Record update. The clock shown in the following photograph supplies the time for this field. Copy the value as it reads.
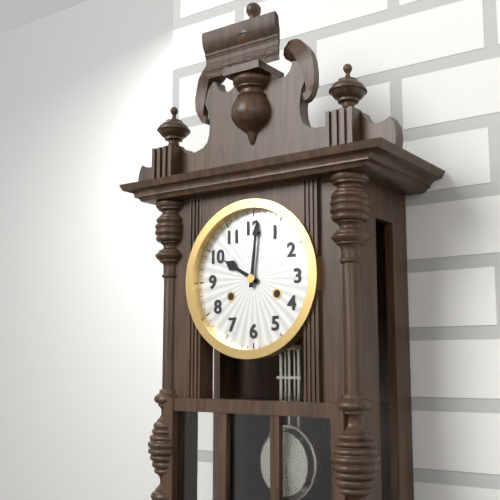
10:01
